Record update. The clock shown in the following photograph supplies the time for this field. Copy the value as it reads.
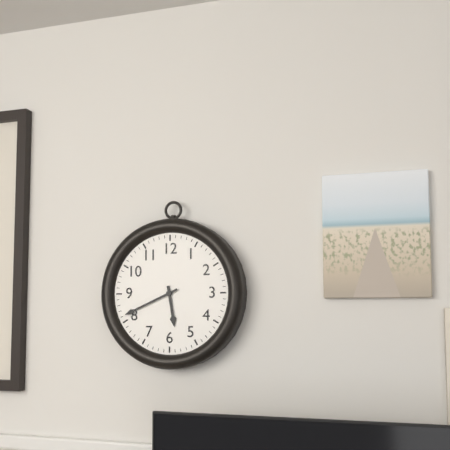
5:41
